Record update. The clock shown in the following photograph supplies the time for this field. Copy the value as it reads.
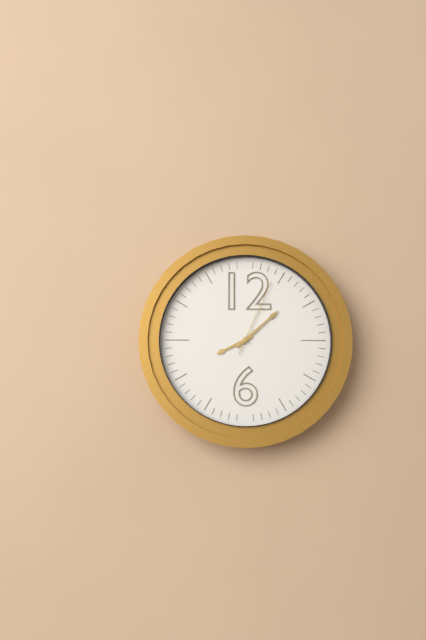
8:08:04
